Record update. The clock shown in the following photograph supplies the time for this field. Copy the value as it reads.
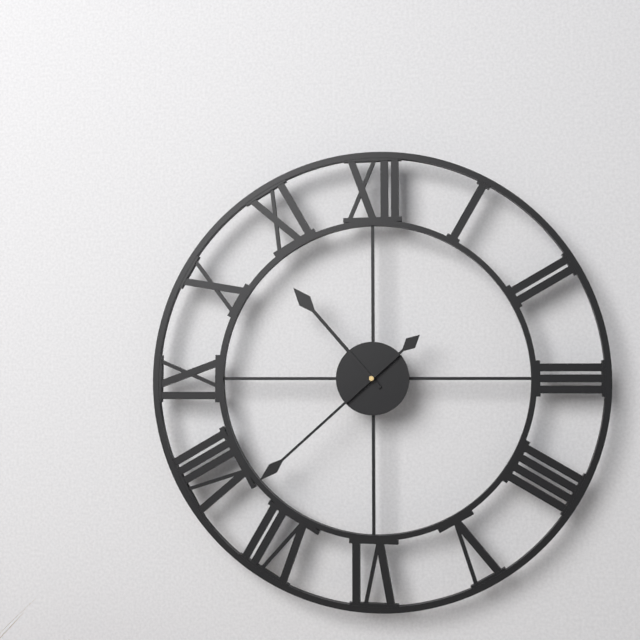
10:38
